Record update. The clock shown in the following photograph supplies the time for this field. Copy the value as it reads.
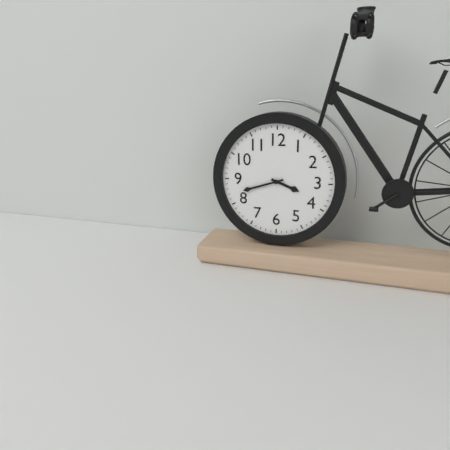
3:42
